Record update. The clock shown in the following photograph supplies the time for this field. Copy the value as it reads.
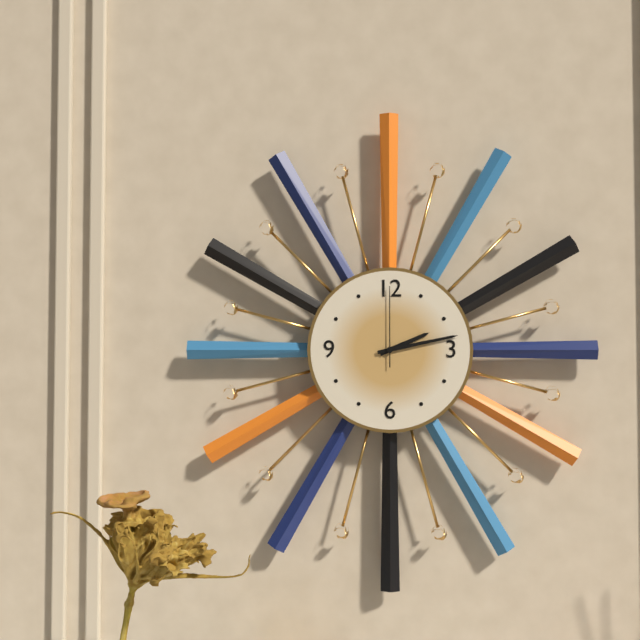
2:13:00
